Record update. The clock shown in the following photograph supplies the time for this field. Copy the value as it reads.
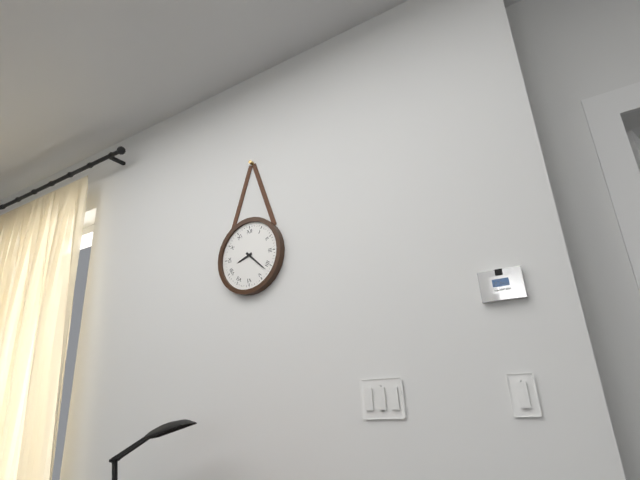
8:22
